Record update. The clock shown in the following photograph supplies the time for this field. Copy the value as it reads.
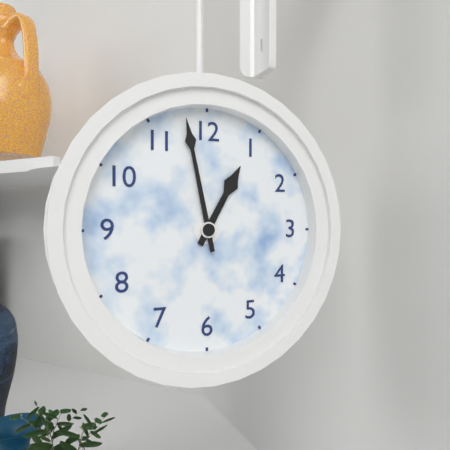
12:58
